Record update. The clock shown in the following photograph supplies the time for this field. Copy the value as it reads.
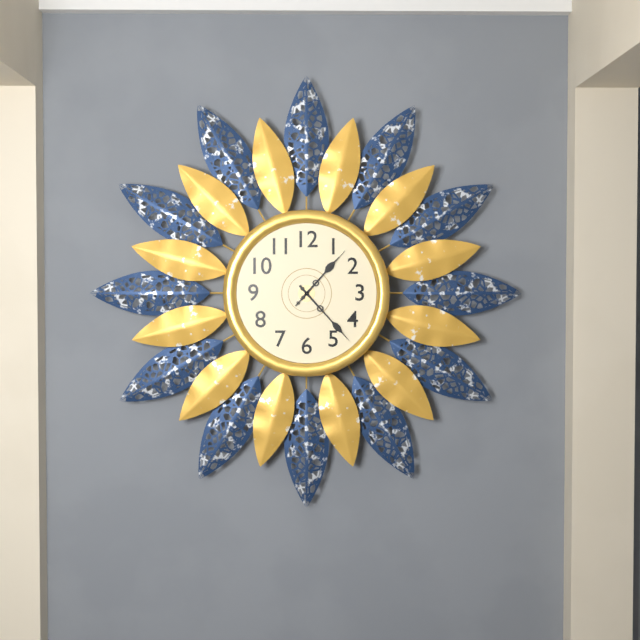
1:23:07
